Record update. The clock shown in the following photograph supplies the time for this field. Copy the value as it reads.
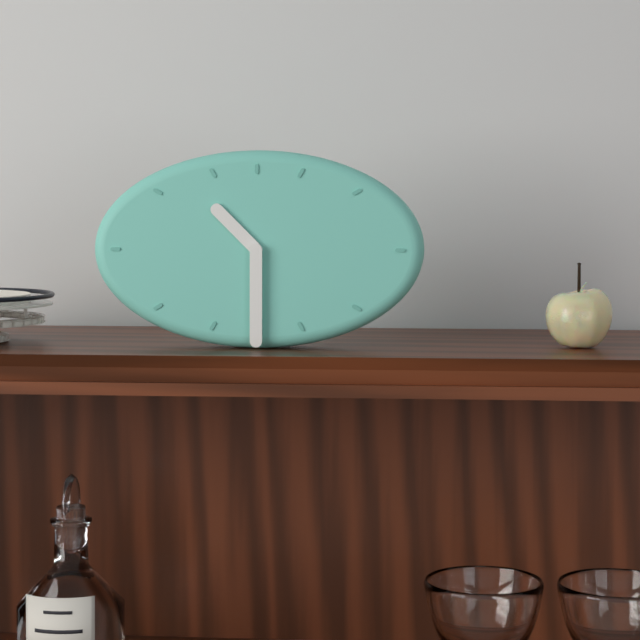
10:30
